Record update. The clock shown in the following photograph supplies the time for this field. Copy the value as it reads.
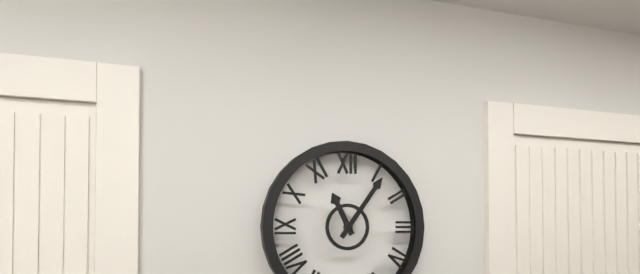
11:06
